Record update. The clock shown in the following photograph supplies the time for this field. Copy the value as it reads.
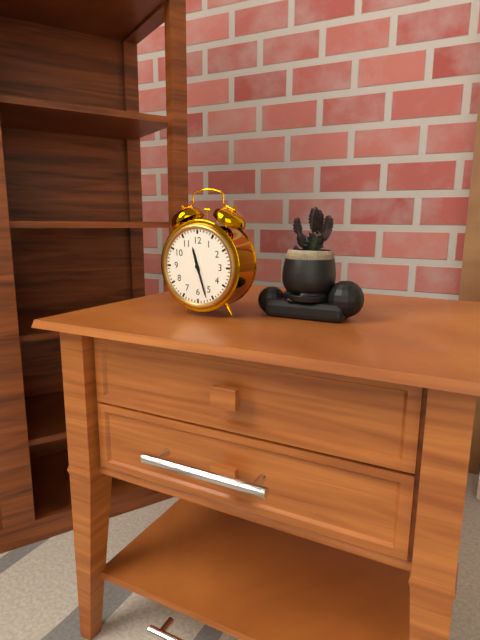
11:27
